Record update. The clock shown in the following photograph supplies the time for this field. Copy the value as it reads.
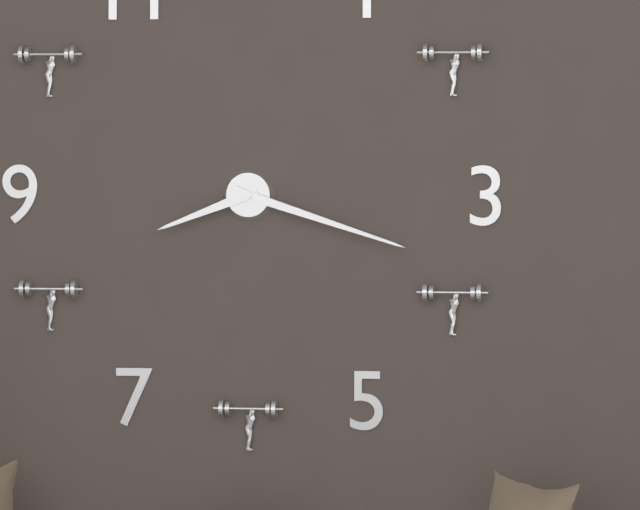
8:18
